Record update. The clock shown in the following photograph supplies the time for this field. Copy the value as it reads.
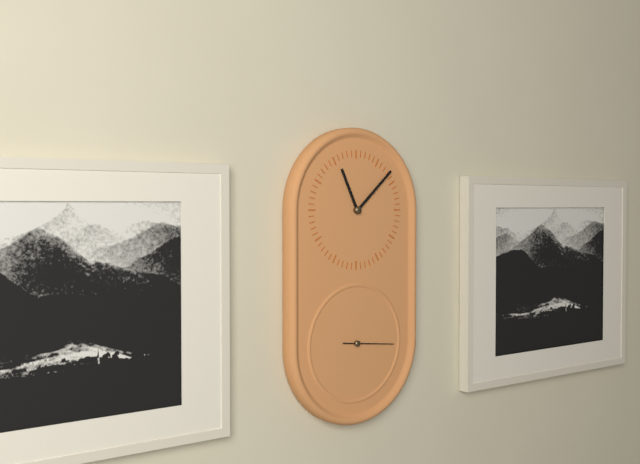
11:08
